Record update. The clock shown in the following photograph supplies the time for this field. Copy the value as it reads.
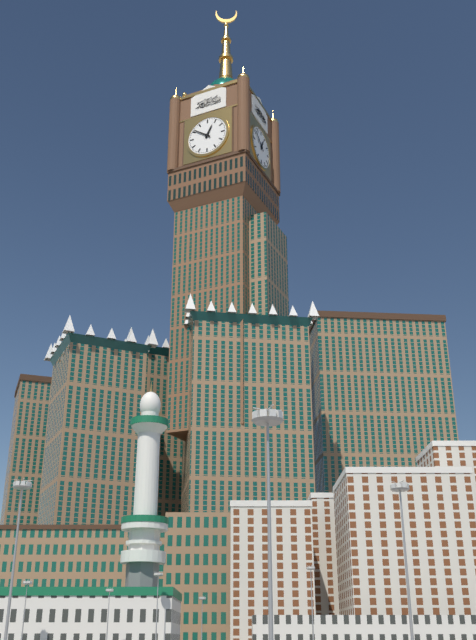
12:51
